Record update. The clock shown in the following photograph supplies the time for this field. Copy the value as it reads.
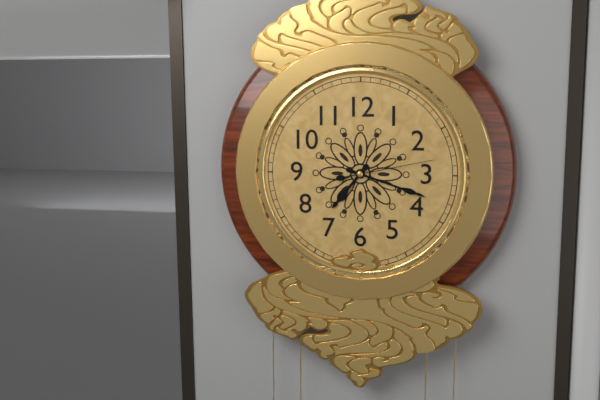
7:18:13
